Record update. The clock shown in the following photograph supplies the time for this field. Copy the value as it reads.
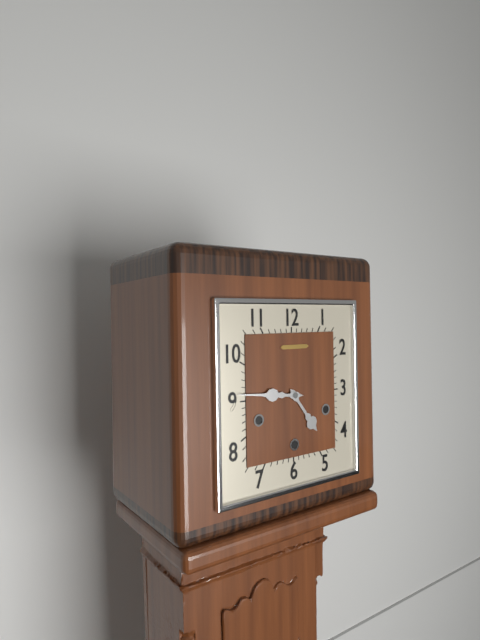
4:46
